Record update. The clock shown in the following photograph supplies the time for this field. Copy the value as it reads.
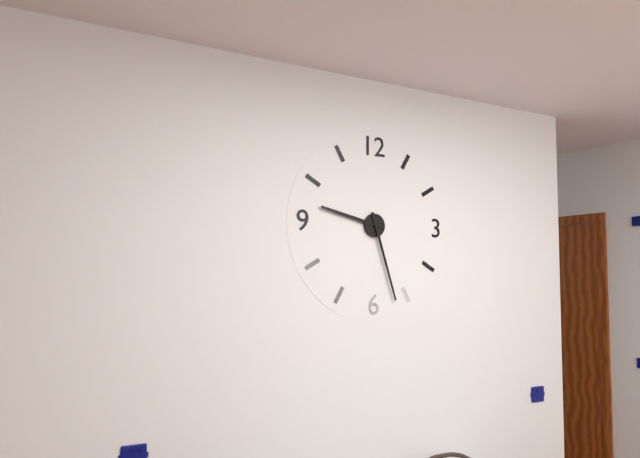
9:27
